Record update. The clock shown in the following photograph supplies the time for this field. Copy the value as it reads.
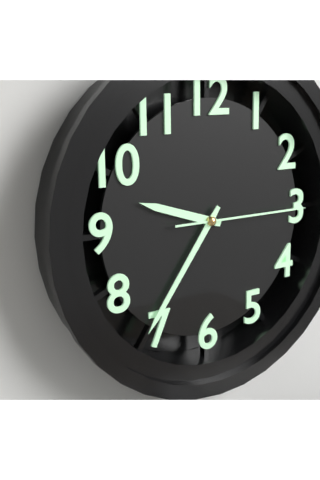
9:36:15
